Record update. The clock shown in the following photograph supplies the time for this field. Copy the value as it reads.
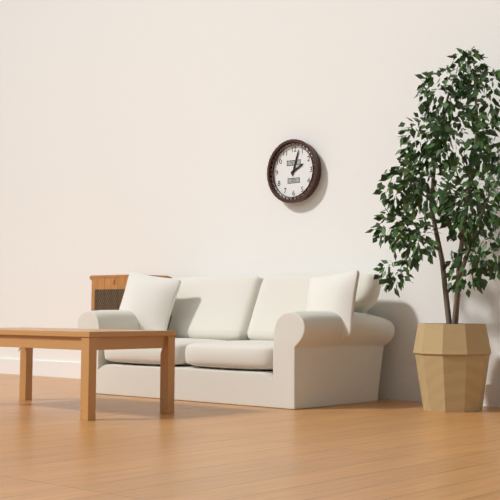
2:03
